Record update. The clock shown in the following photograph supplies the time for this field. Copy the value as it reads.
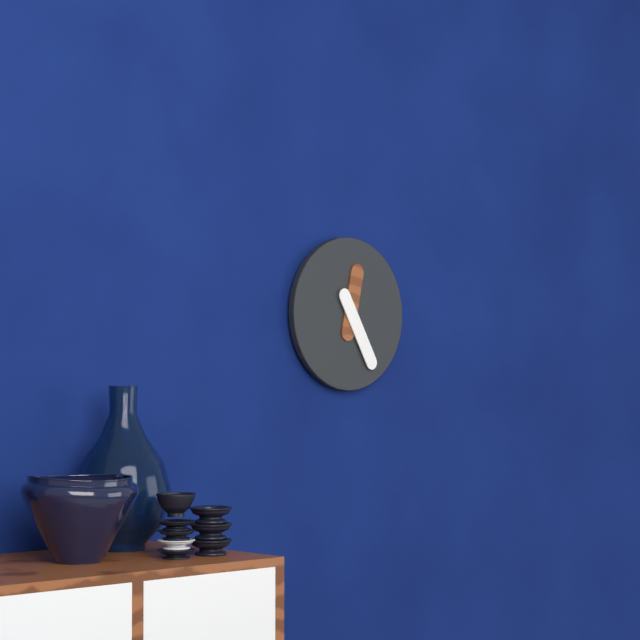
12:25
